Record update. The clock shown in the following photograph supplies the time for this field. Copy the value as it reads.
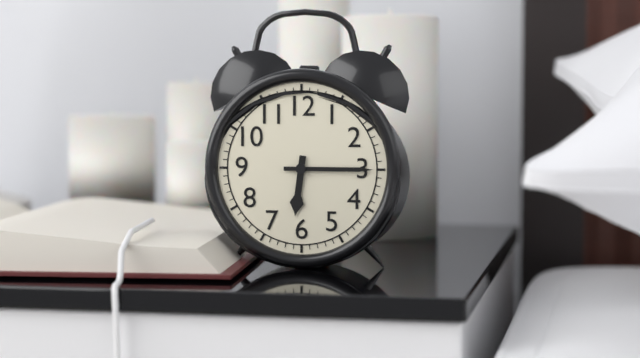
6:15
